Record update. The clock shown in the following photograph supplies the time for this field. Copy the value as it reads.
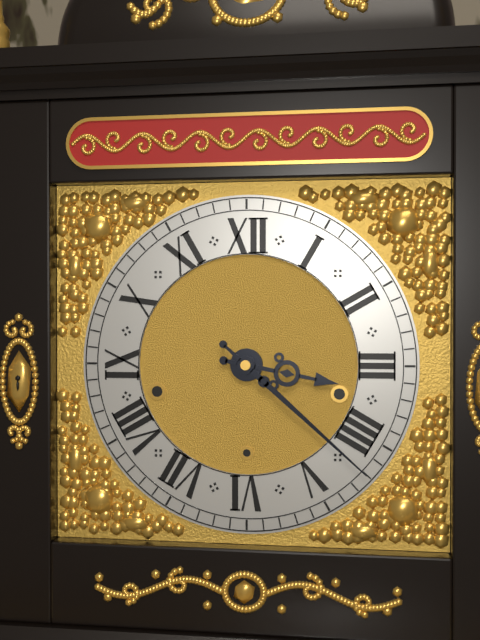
3:22
